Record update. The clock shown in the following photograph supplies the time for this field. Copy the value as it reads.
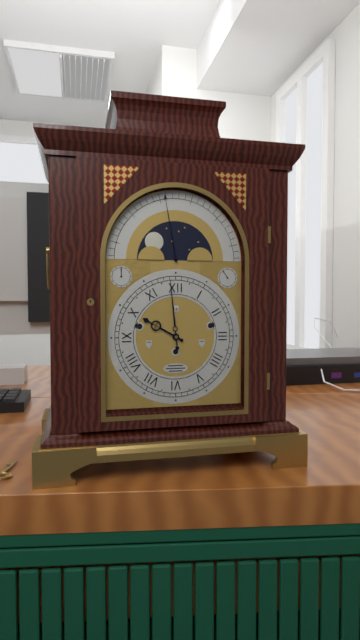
9:59
